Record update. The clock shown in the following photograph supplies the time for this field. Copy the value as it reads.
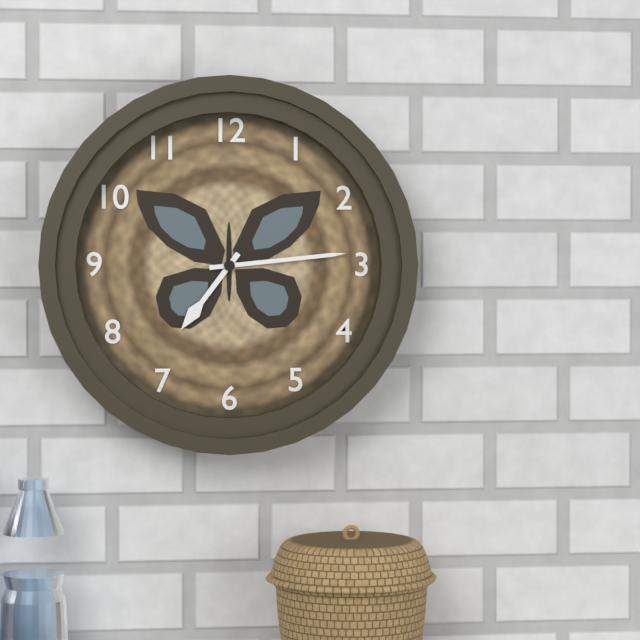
7:14
